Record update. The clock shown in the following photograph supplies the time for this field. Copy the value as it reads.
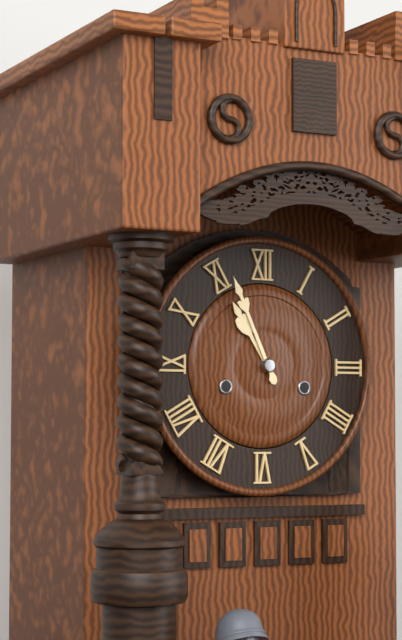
10:56
